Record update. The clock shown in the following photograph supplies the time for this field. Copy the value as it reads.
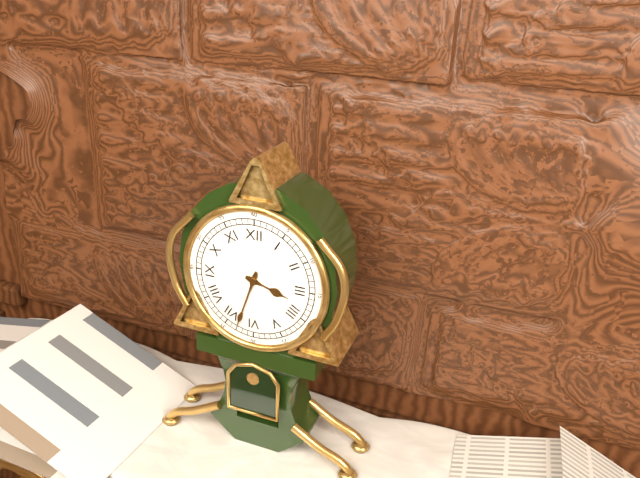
3:33
